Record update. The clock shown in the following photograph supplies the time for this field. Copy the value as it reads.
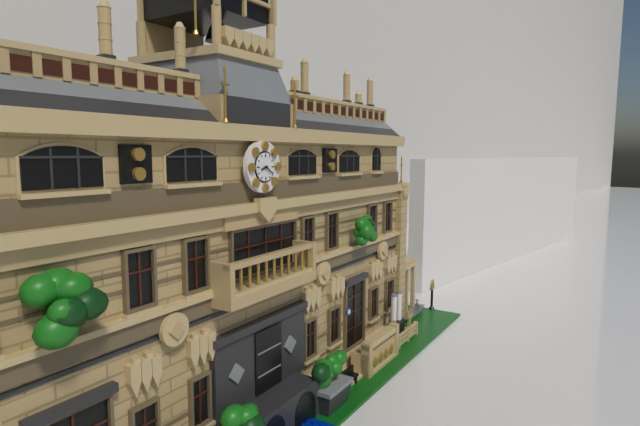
8:21
